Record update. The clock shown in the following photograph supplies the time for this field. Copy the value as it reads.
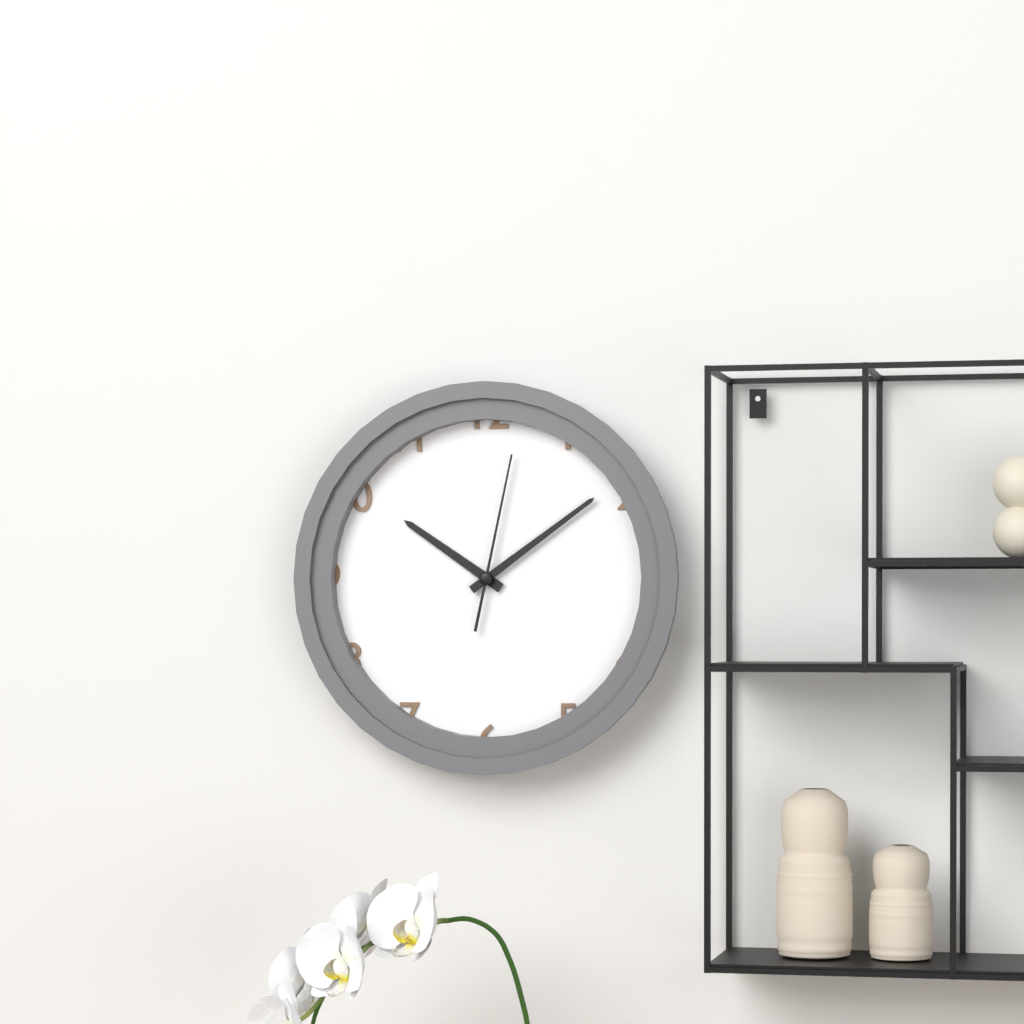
10:09:02
